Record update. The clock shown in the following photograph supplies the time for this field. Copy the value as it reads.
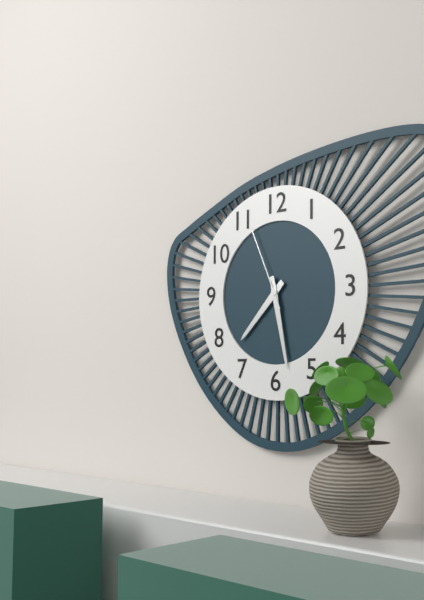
7:28:56
